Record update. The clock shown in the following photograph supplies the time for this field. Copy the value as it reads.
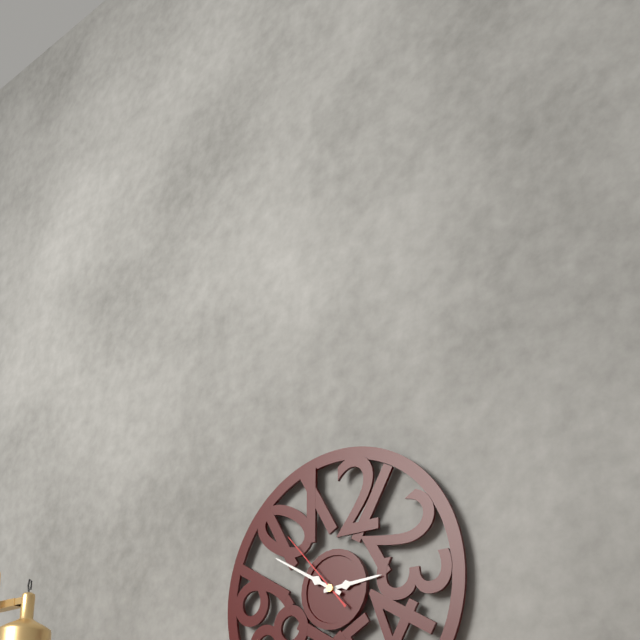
2:50:53
